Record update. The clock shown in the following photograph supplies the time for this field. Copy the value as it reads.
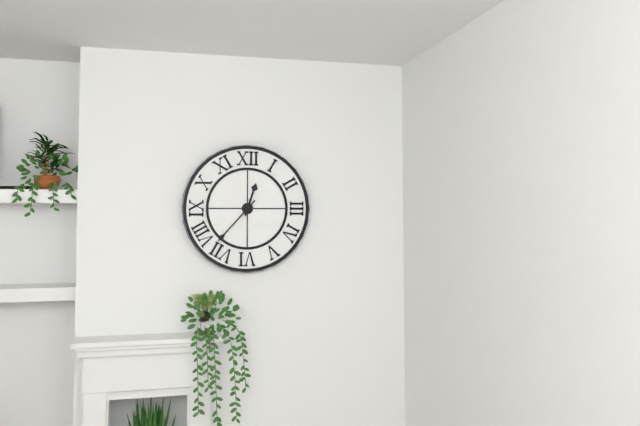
12:37
